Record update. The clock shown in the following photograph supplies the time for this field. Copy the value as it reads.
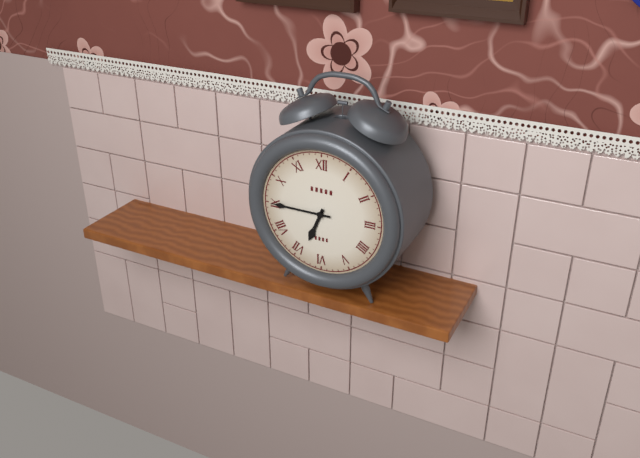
6:45
